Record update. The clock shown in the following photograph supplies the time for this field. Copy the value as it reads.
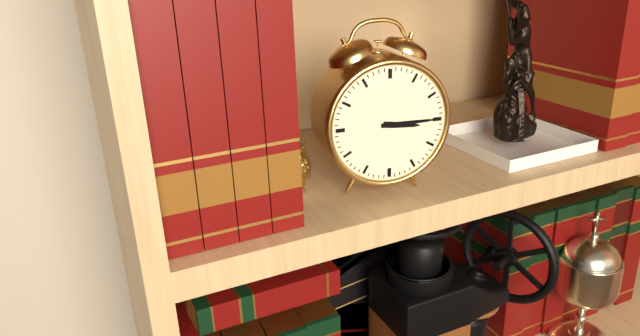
3:15
